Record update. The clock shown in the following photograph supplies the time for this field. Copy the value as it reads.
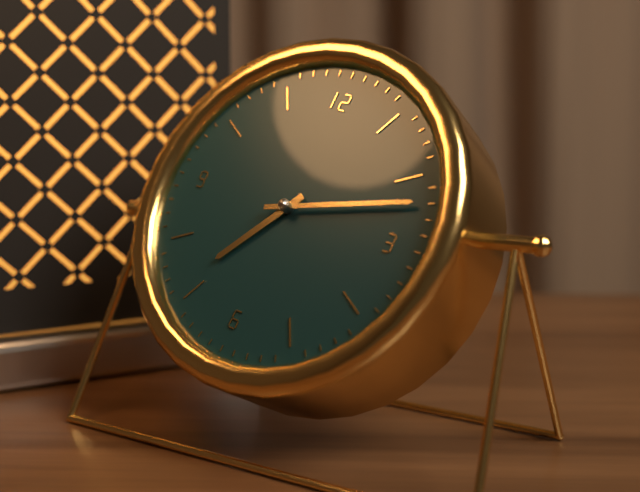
7:12
